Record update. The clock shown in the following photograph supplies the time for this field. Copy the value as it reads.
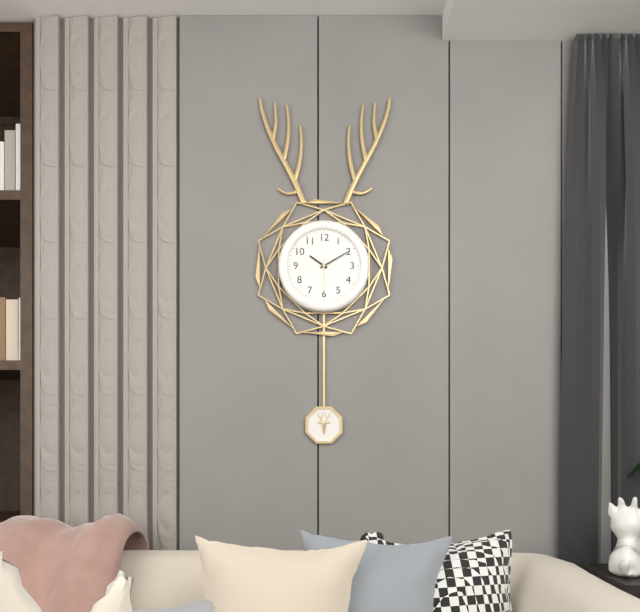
10:10
